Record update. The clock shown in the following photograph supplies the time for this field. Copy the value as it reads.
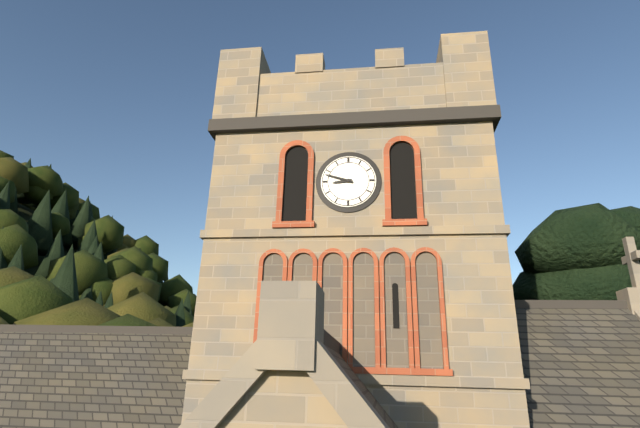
8:48
